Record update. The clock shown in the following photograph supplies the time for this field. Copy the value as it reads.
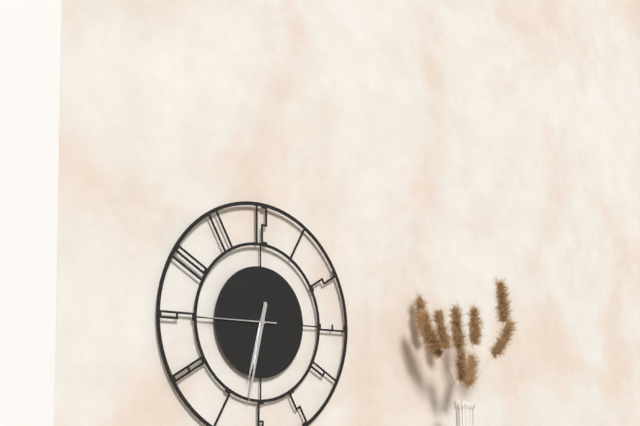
6:32:45
